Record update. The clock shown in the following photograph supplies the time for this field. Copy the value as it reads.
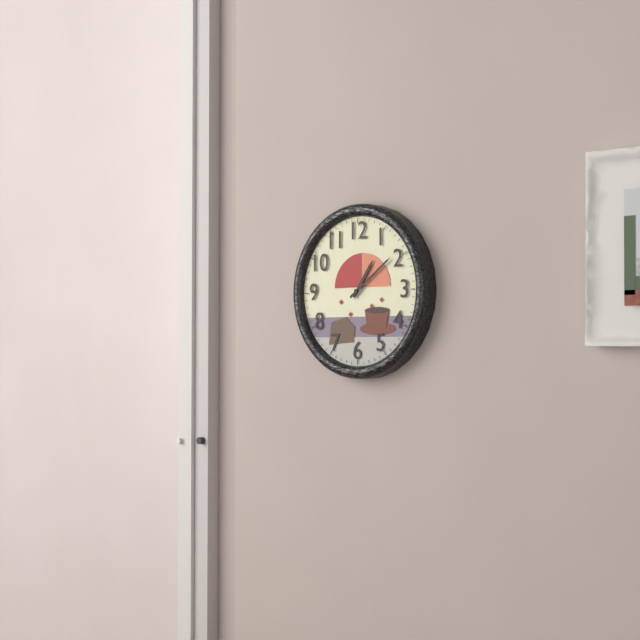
1:09
